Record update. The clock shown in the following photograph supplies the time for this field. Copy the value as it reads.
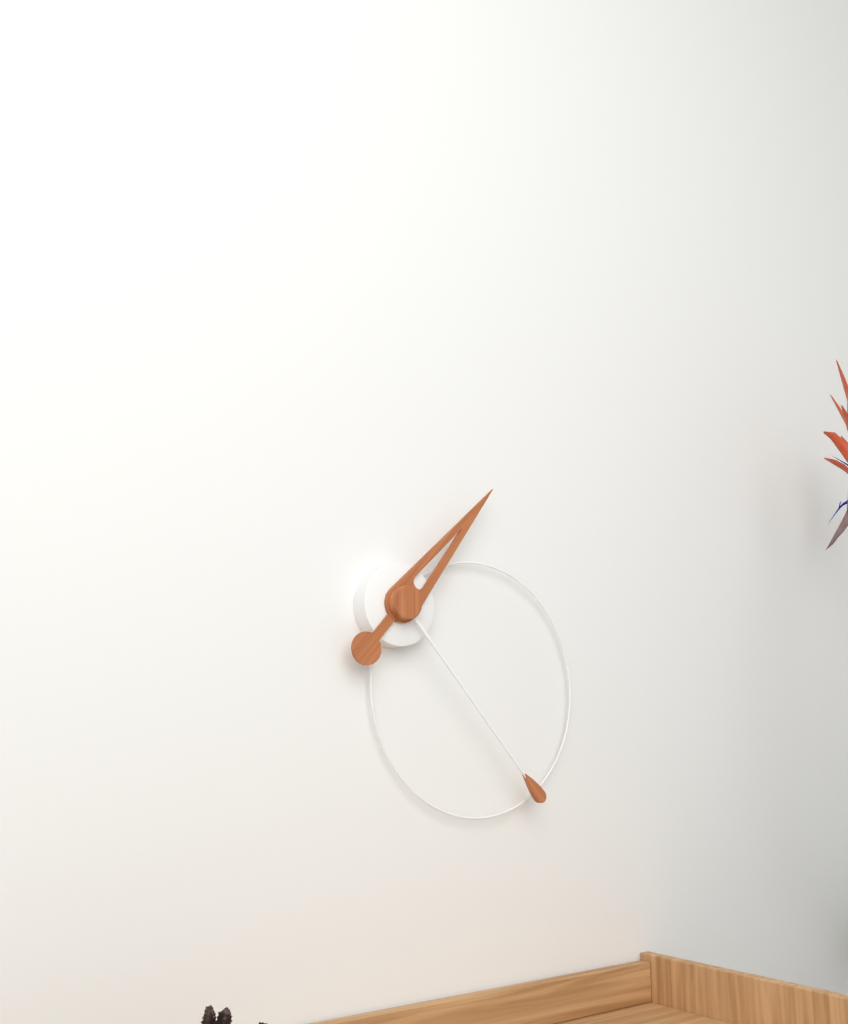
1:23
